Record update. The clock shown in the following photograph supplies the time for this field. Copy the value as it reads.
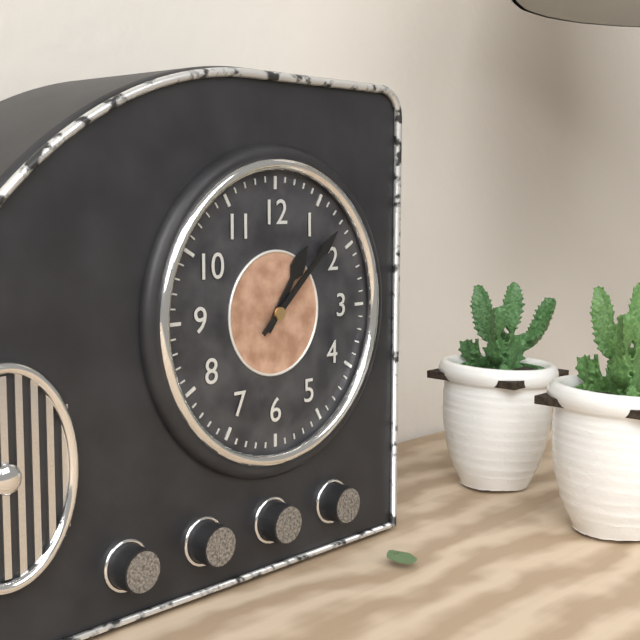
1:08
